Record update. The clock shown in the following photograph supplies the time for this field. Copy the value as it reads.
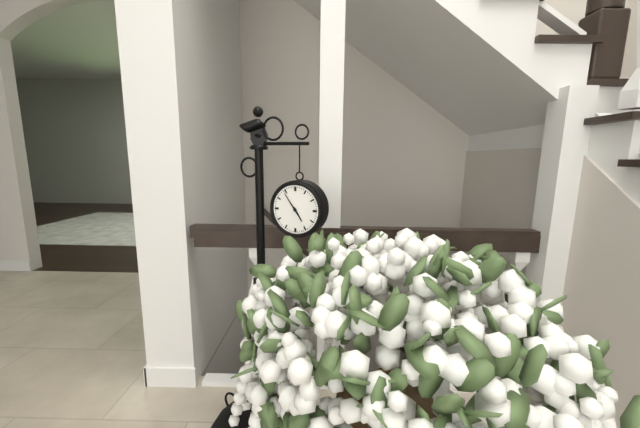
4:54
